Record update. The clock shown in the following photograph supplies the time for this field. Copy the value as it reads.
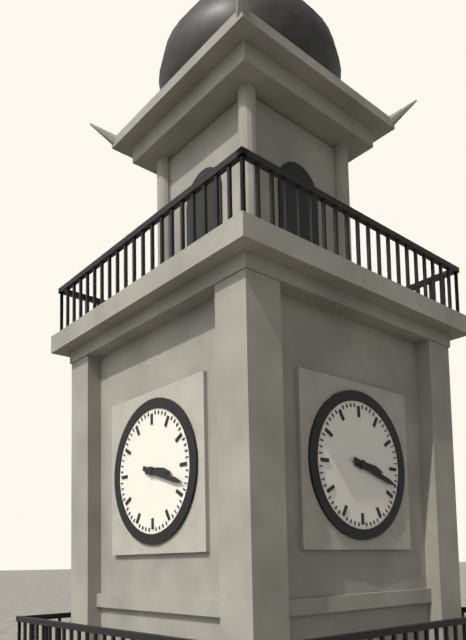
3:18
